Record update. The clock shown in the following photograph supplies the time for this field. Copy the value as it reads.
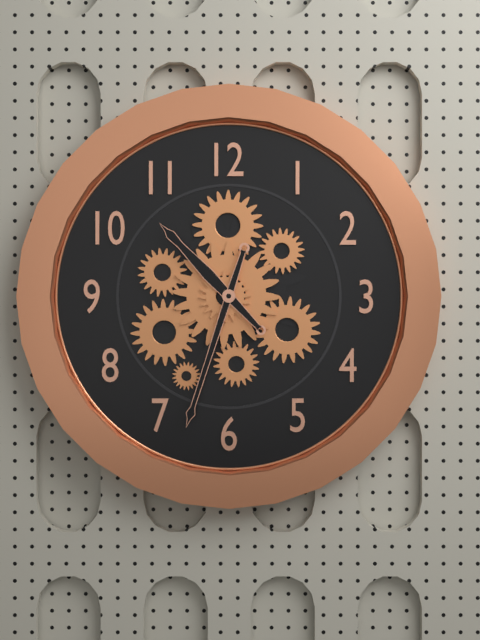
10:33
